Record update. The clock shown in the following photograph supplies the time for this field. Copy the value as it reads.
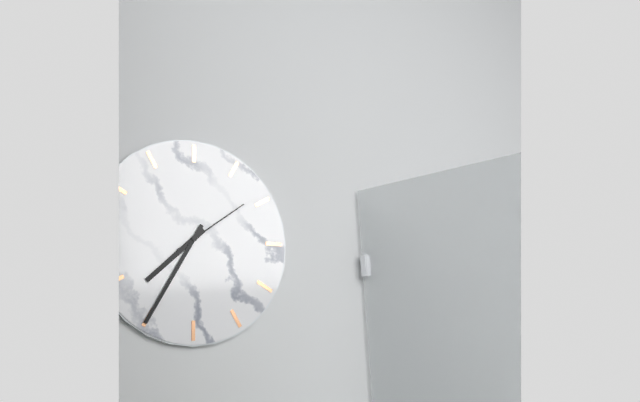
7:35:09
